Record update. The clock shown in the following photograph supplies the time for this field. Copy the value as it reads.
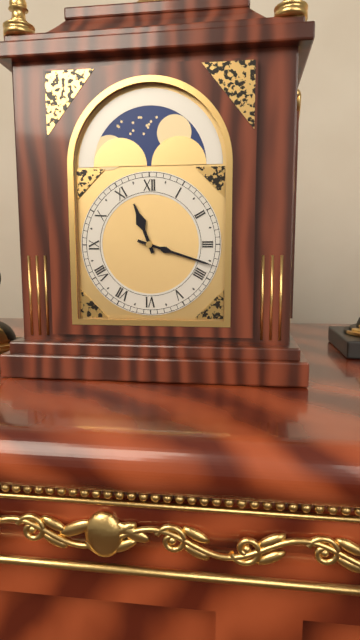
11:18
